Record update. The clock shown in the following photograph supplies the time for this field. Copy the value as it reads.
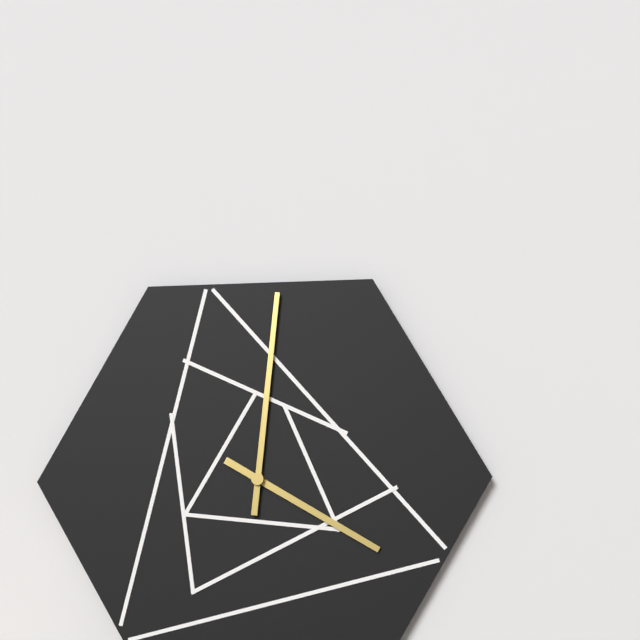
4:01
